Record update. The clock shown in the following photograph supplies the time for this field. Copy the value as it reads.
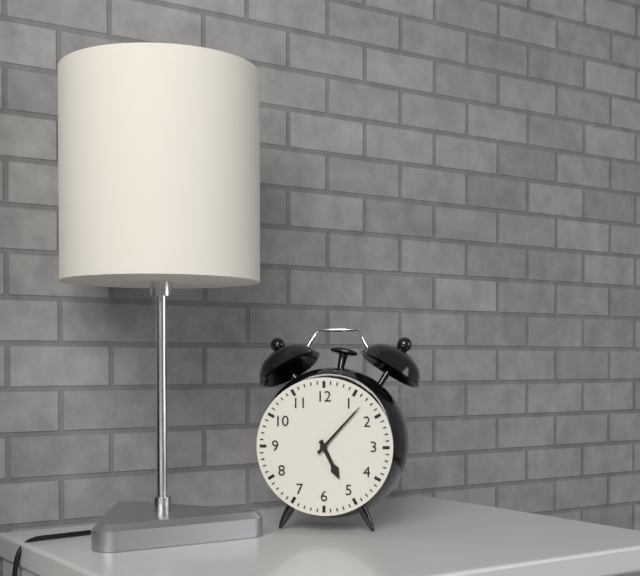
5:07
